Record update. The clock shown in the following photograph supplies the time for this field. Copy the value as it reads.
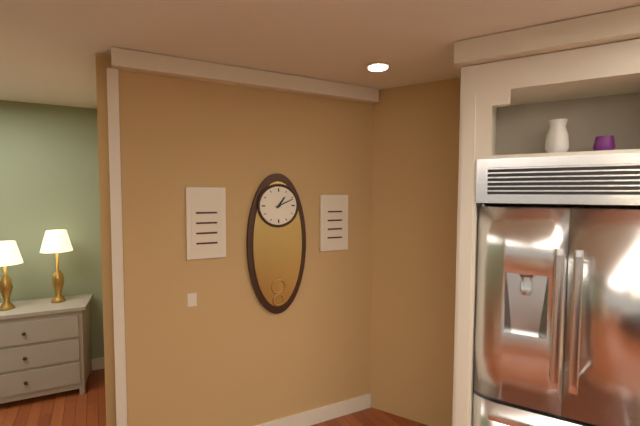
1:11
